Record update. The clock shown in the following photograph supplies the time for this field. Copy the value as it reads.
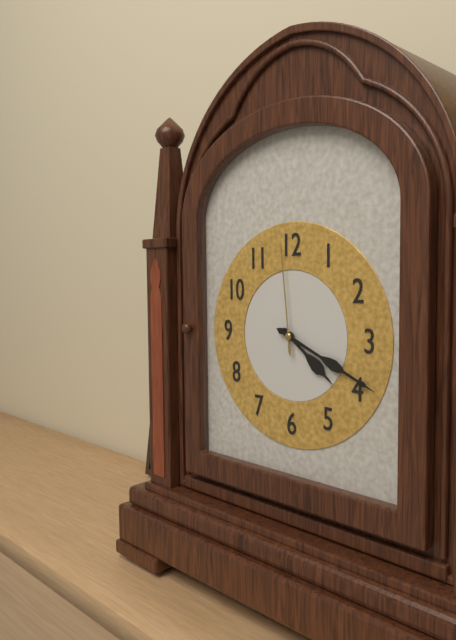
4:19:59
